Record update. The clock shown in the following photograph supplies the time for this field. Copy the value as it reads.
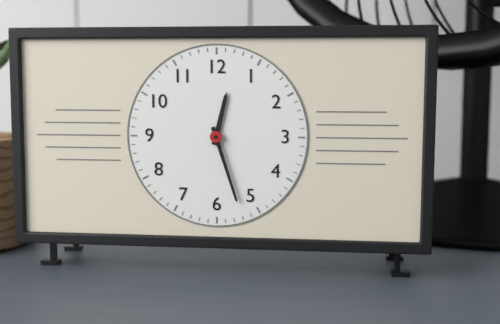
12:27
